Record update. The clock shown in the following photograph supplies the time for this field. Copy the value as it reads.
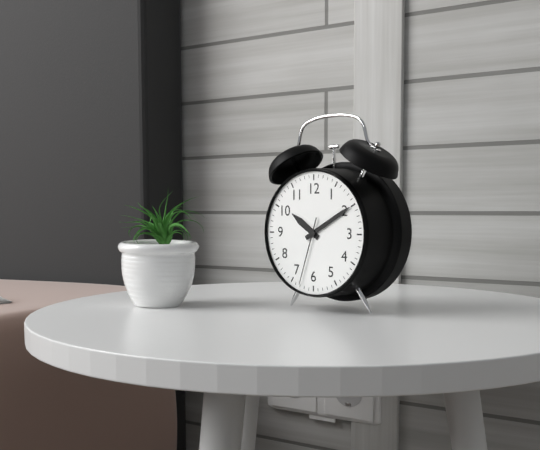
10:10:33
